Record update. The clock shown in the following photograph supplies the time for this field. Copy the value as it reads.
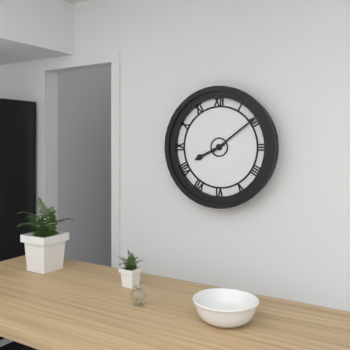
8:09
